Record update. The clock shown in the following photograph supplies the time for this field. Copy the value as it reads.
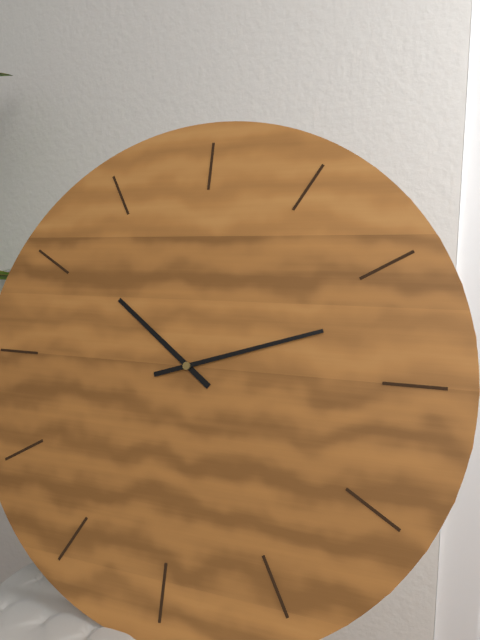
10:12
